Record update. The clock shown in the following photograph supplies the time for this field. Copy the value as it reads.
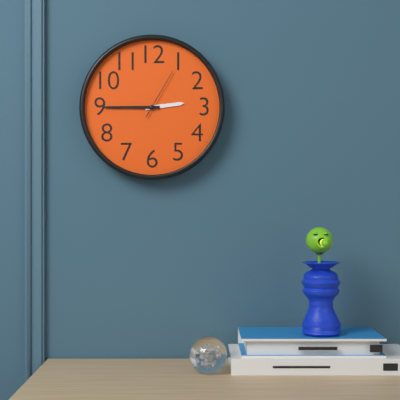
2:45:05
